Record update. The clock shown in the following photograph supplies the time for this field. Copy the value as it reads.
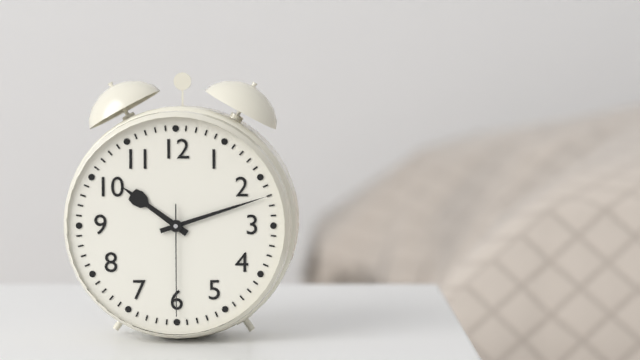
10:12:30
